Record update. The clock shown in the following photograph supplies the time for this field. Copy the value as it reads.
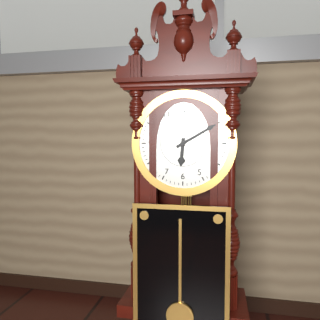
6:10
